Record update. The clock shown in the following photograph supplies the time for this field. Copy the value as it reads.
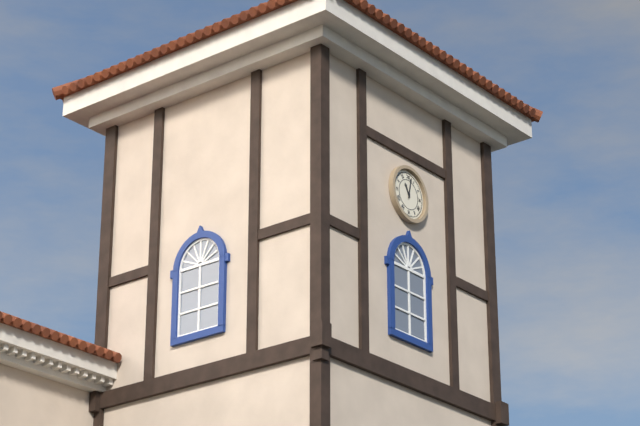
11:02
